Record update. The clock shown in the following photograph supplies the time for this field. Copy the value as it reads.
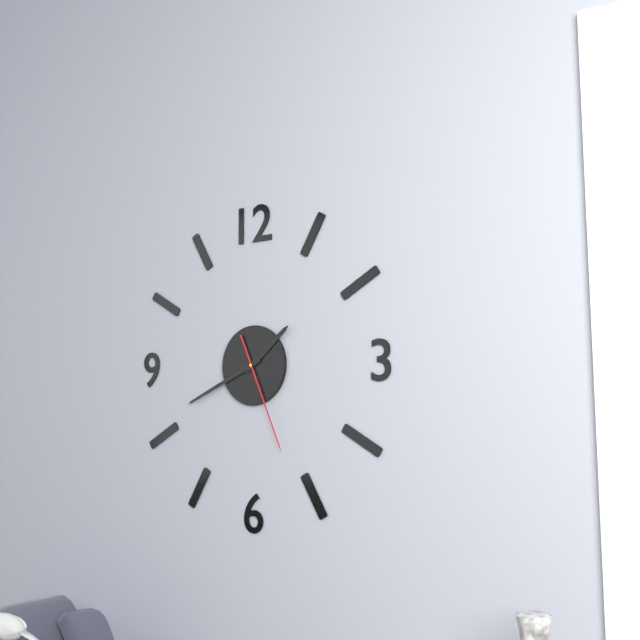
1:41:26
